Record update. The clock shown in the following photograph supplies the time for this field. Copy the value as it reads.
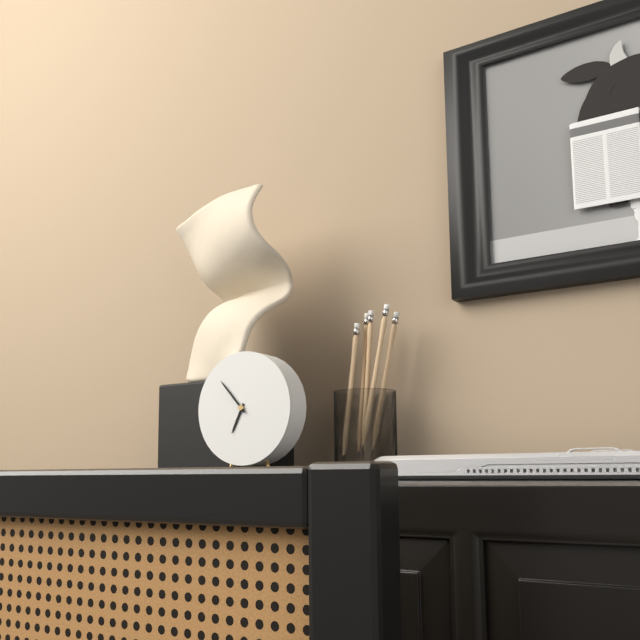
6:53
